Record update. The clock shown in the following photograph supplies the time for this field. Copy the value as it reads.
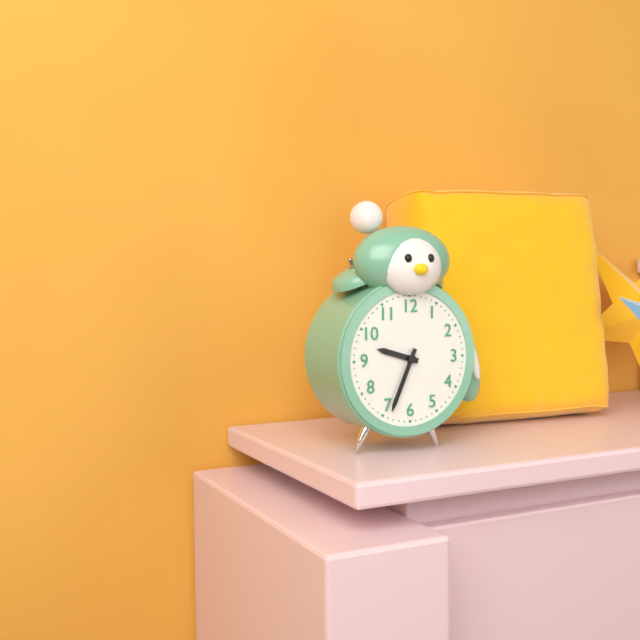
9:34
